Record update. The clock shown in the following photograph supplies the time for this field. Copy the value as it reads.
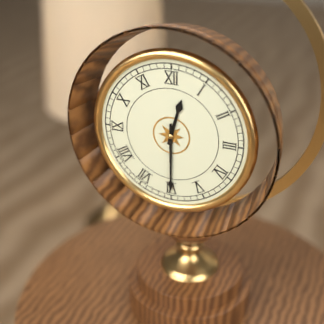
12:30
